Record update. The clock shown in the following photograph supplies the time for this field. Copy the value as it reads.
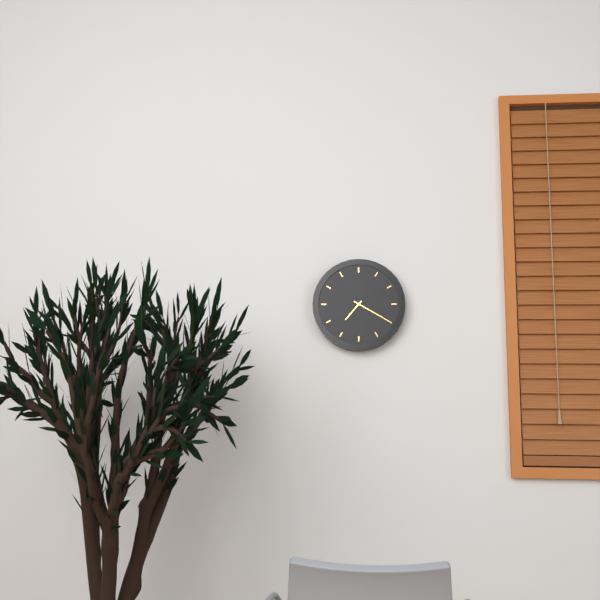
7:20
